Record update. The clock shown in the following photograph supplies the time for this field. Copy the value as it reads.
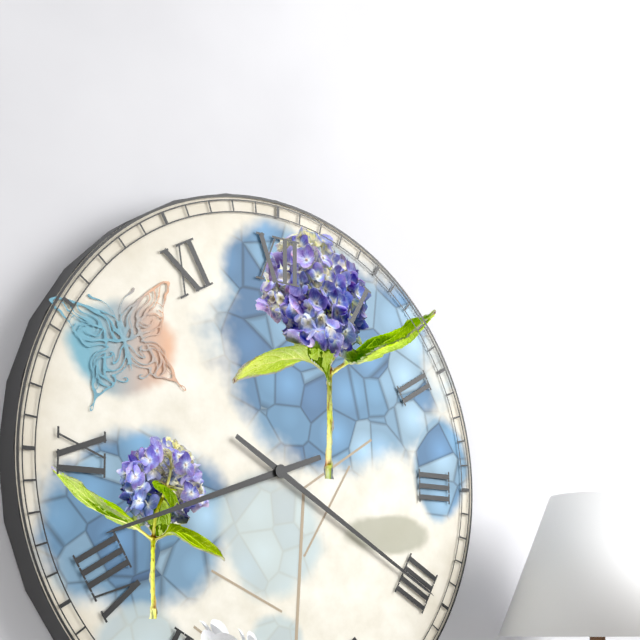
8:20
